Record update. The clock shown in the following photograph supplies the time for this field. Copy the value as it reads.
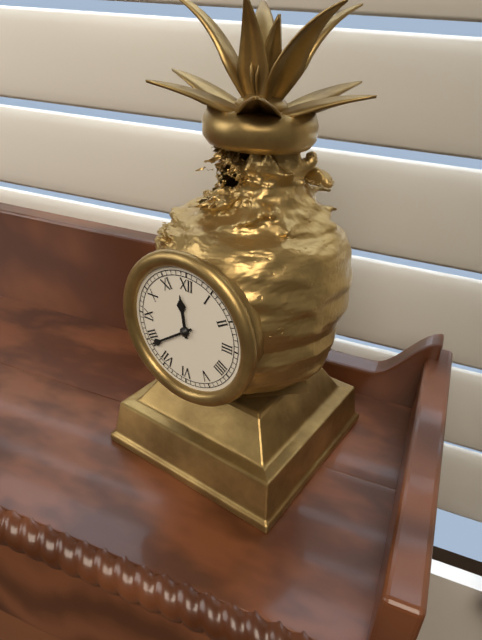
11:39
